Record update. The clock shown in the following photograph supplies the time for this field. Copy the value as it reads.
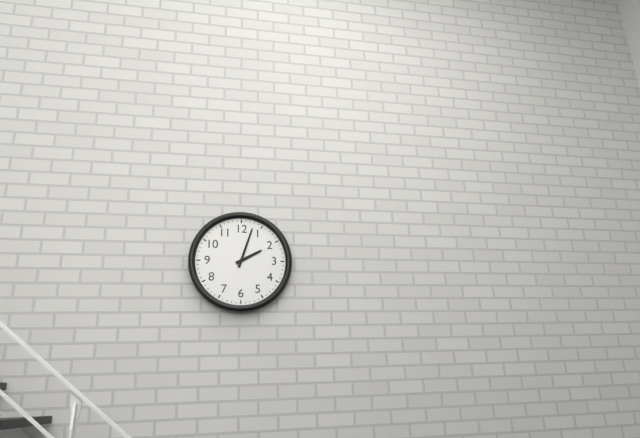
2:03
